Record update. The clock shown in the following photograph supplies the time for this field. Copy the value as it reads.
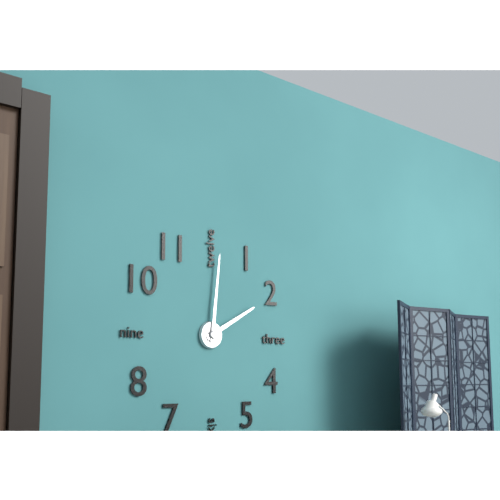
2:01
